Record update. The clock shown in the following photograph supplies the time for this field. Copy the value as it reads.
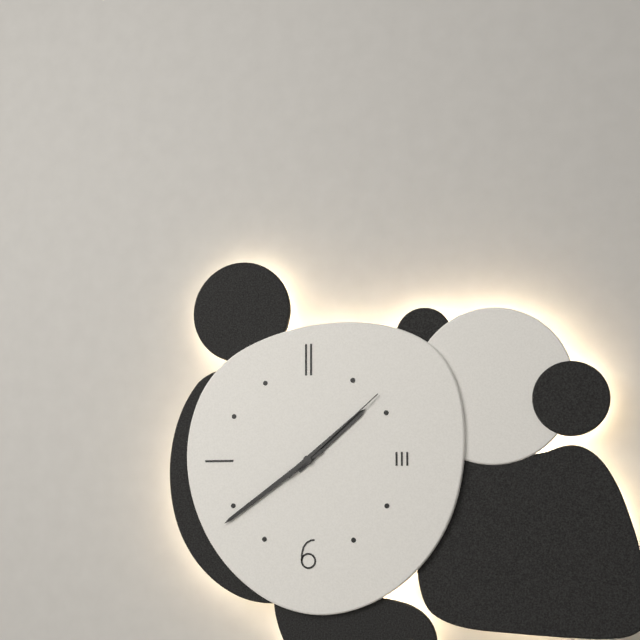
1:39:08
